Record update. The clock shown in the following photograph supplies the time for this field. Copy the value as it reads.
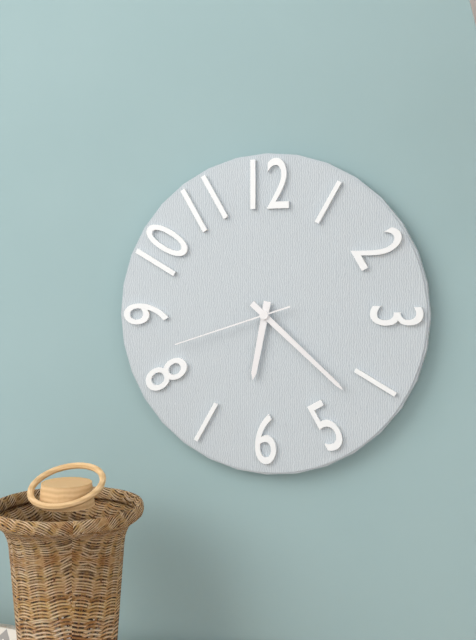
6:22:42
